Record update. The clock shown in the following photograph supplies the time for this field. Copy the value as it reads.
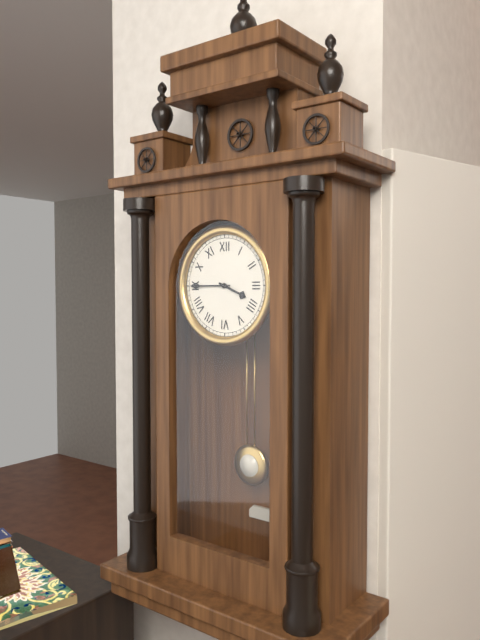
3:45
